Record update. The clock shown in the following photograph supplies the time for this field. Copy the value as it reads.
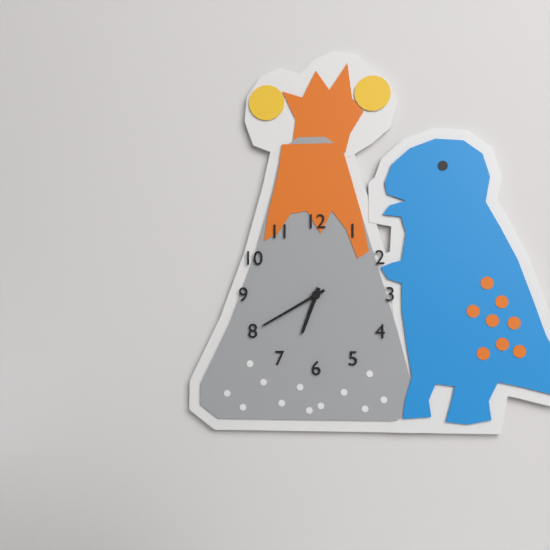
6:40
